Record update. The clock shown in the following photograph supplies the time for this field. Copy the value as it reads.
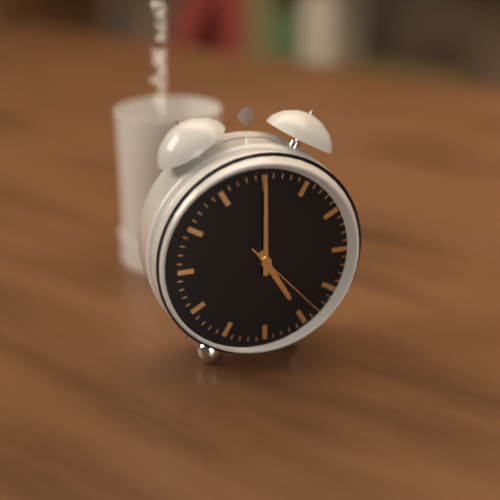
5:00:23
